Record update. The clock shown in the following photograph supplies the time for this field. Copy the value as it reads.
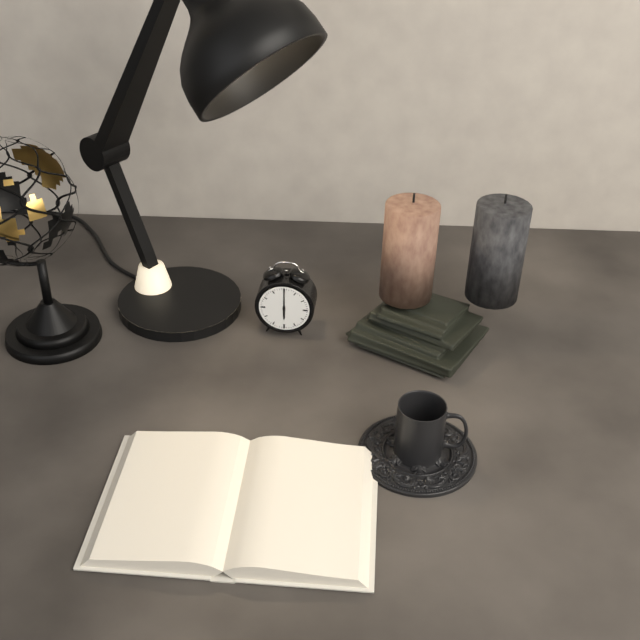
6:00
